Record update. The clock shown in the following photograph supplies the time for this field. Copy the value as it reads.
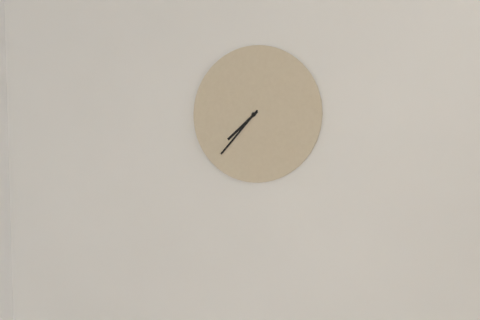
7:37
